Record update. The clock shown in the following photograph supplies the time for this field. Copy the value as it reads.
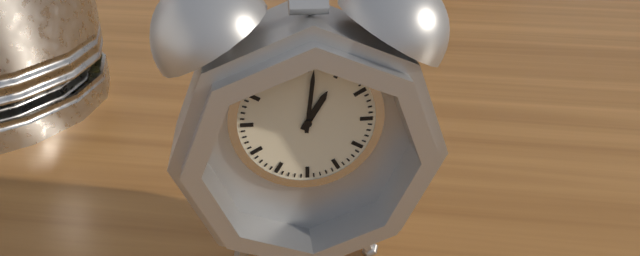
1:01
